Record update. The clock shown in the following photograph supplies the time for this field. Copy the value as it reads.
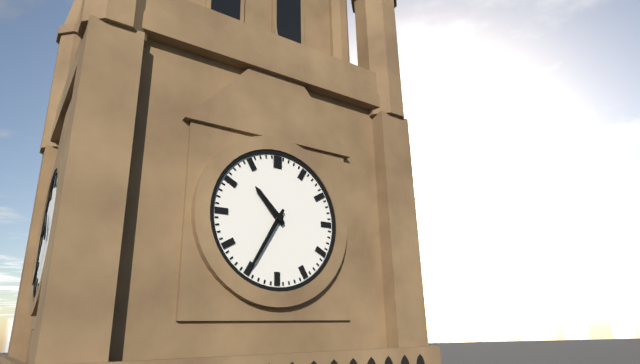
10:35
